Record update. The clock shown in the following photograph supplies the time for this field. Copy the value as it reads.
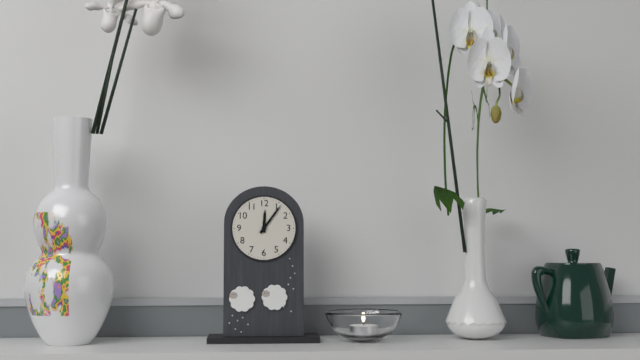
12:06
